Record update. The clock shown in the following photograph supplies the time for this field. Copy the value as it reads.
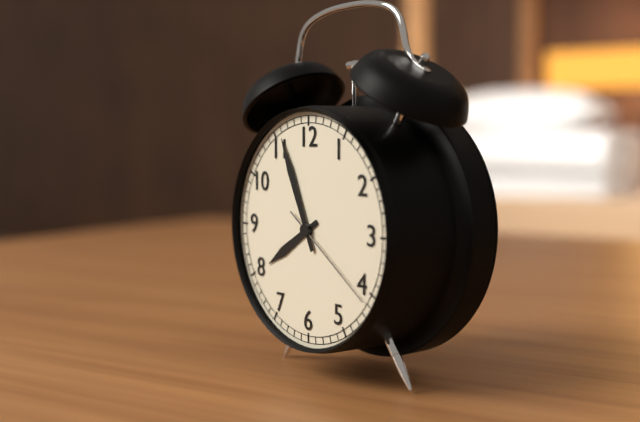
7:56:21
